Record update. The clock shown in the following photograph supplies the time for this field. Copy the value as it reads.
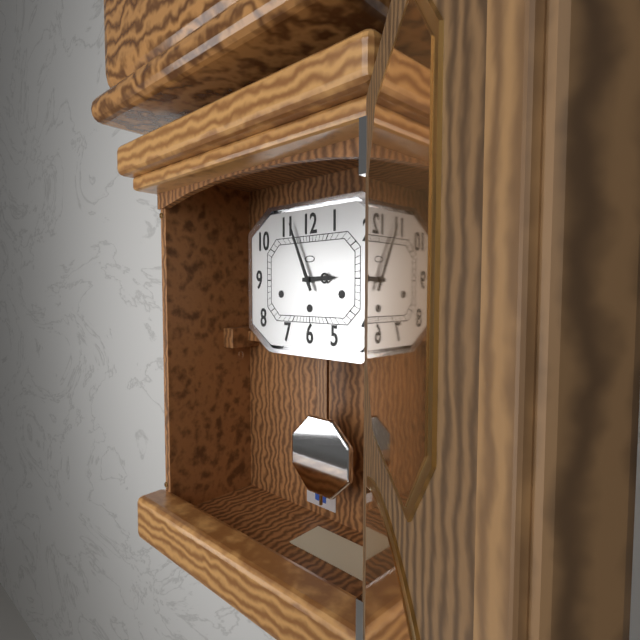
2:56
